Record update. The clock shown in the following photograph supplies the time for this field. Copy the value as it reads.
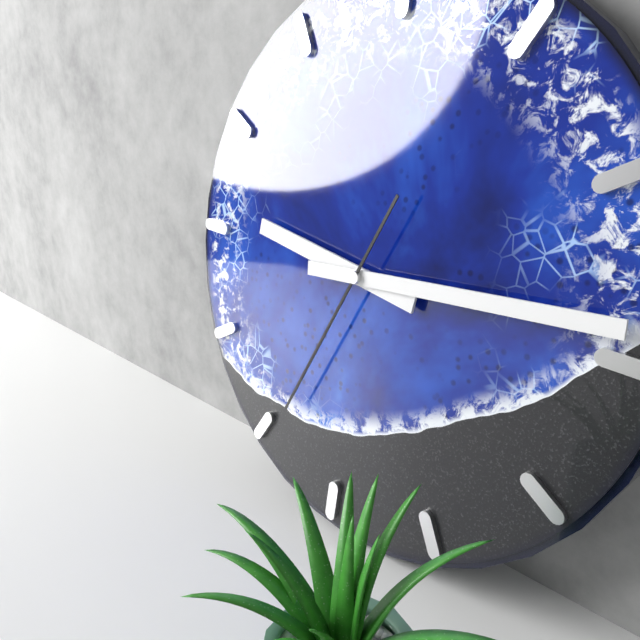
9:14:34
